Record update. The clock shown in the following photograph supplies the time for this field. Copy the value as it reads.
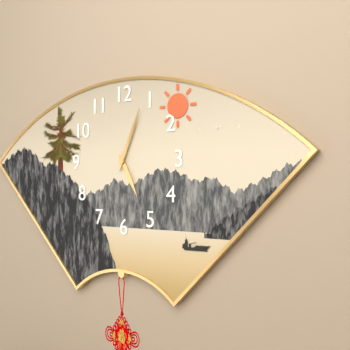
5:04
